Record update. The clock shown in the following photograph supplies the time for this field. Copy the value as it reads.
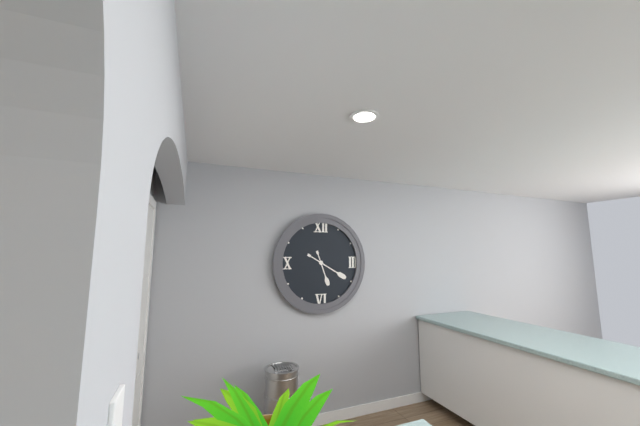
5:20
